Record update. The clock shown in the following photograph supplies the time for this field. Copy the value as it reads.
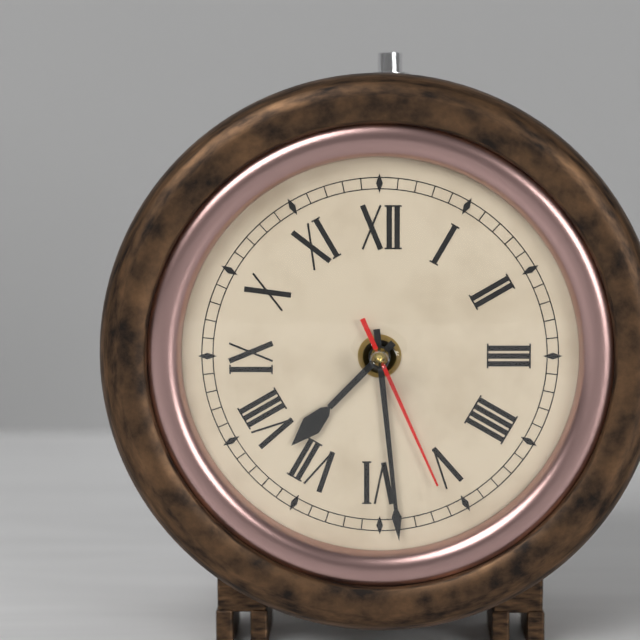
7:29:26
